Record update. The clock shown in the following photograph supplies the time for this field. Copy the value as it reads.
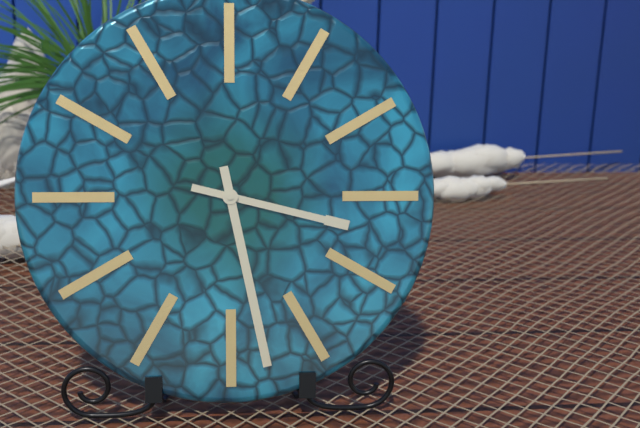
3:28
